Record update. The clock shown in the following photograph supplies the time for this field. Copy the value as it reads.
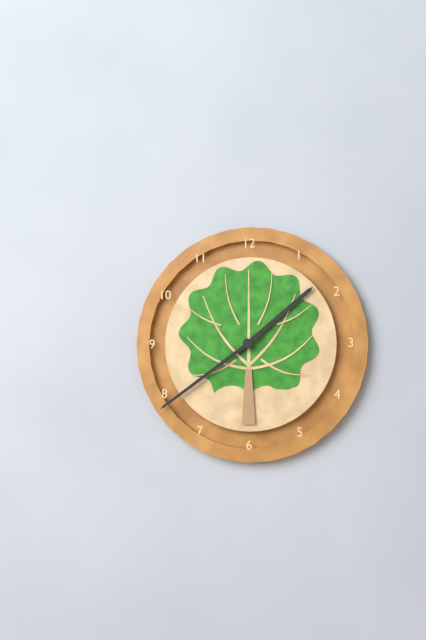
1:39
